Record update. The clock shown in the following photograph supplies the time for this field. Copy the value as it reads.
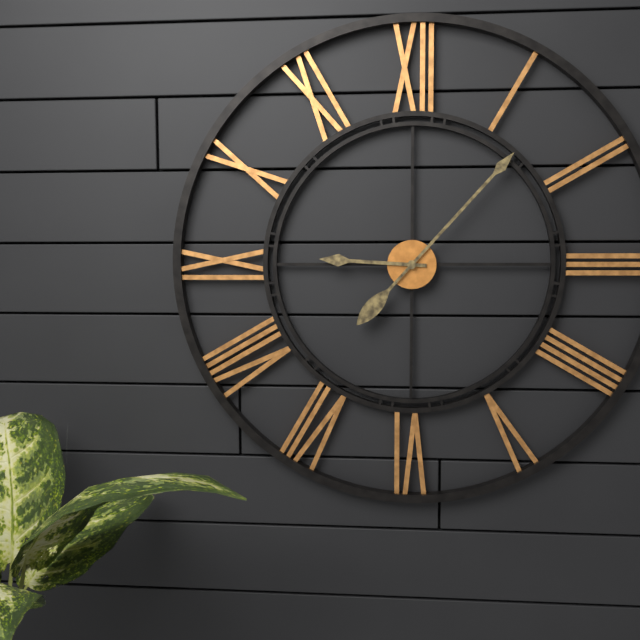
9:07
